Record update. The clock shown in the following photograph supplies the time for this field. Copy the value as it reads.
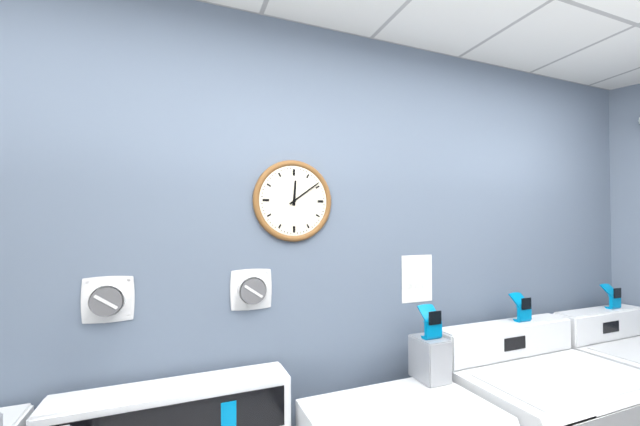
12:09
